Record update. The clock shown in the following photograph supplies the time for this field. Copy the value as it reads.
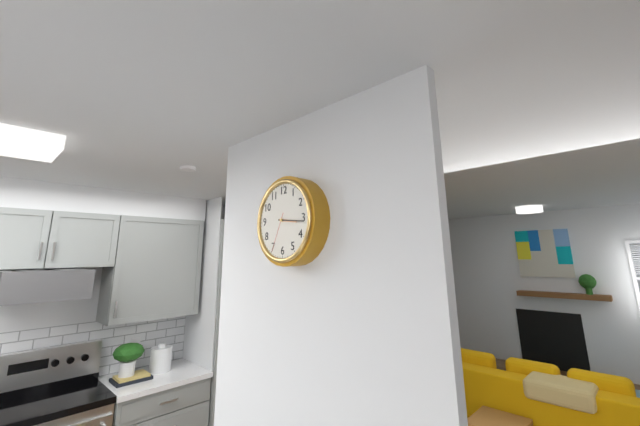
3:16
